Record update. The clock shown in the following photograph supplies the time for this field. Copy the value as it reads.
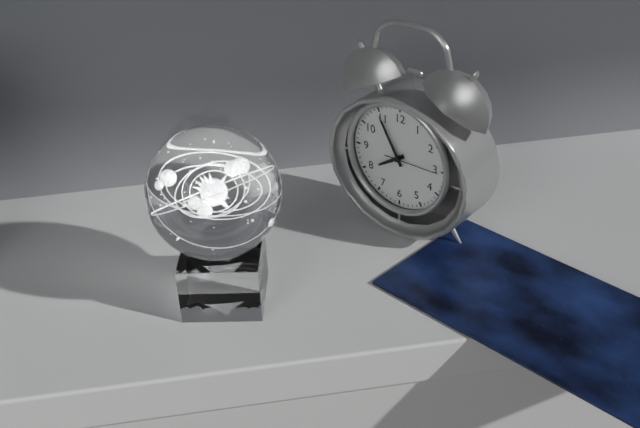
7:55:15
